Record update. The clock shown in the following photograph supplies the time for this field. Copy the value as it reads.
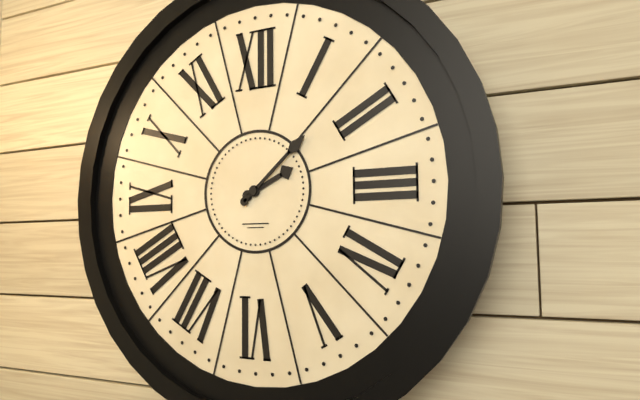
2:08
